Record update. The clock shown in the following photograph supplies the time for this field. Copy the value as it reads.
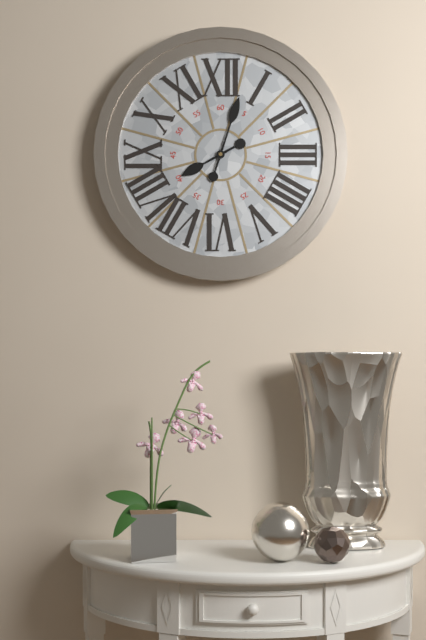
8:03
